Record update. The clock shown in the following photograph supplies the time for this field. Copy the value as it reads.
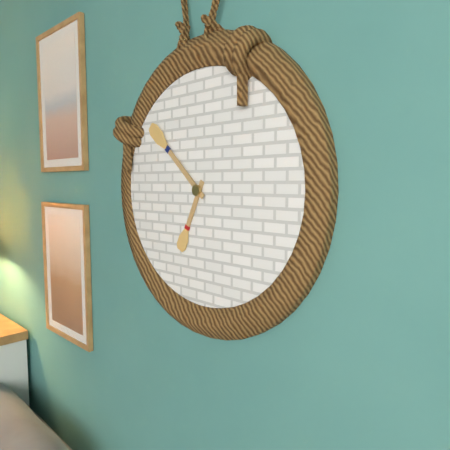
6:52
